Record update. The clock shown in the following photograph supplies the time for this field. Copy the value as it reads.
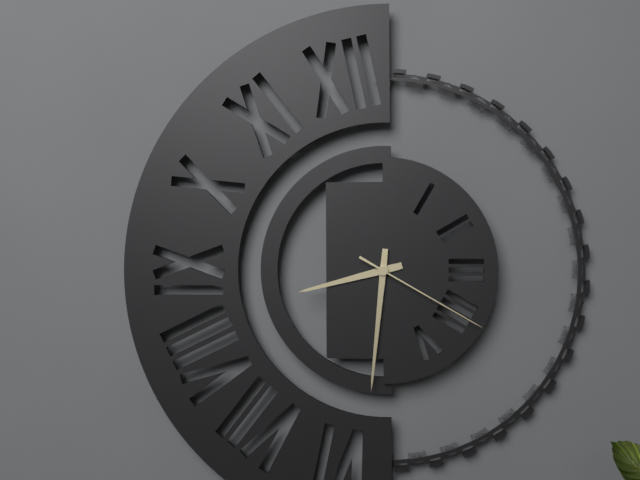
8:31:20
